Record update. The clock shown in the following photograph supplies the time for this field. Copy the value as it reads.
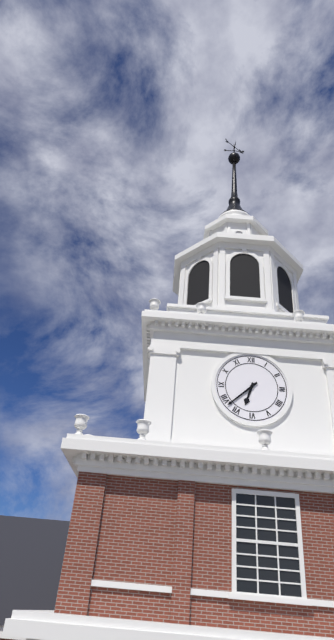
6:38
